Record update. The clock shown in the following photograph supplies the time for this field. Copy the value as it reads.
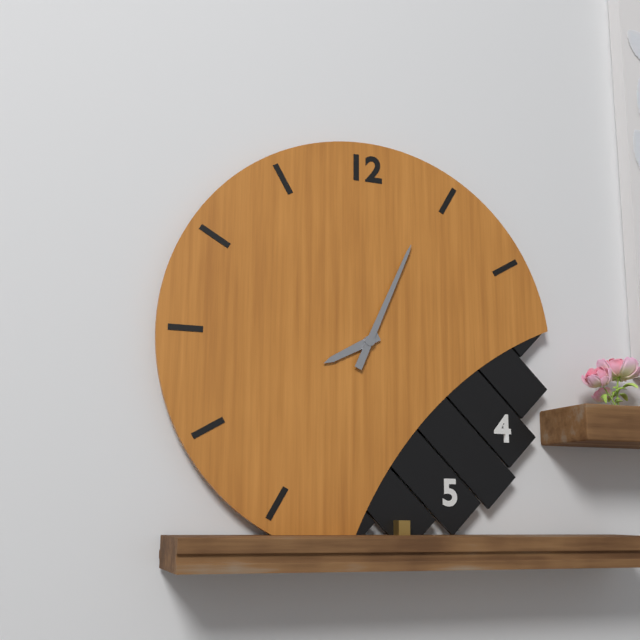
8:04
